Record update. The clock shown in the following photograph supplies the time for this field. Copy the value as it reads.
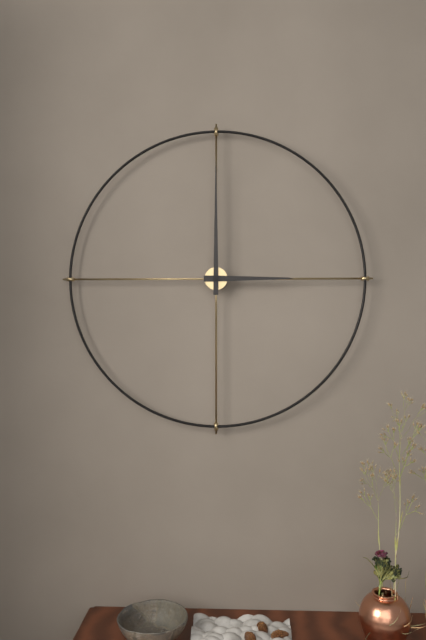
3:00
